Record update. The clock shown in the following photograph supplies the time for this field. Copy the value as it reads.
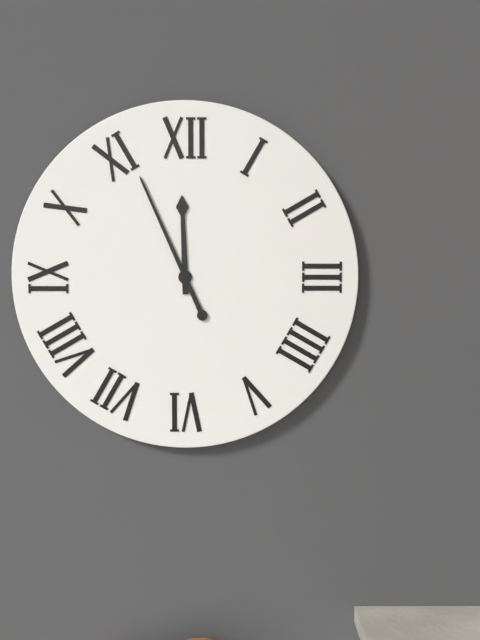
11:56
